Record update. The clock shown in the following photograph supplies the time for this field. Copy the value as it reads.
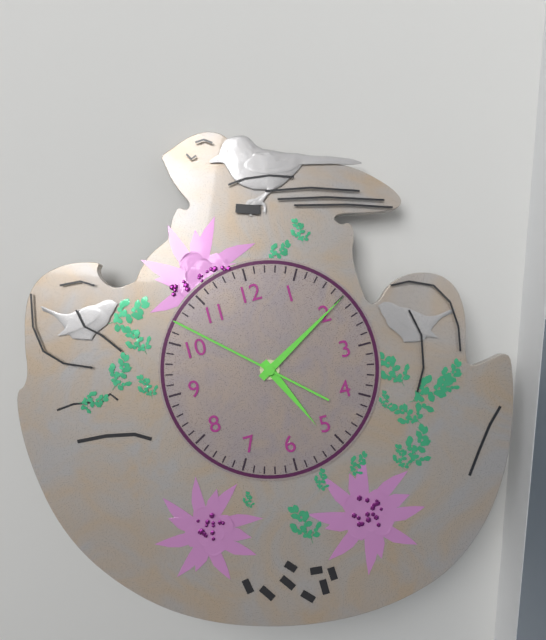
5:10:52
